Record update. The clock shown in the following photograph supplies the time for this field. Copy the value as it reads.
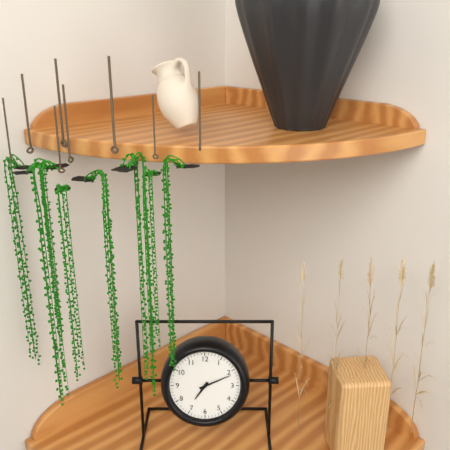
7:11
